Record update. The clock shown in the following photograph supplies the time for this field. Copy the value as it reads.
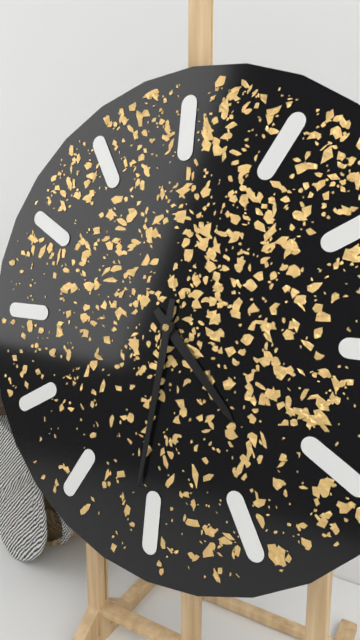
4:31
